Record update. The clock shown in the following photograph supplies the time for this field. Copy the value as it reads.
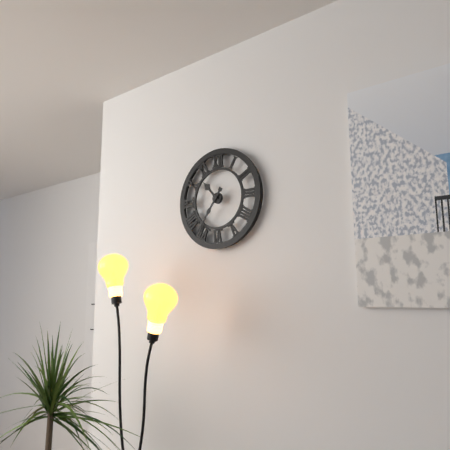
10:36
